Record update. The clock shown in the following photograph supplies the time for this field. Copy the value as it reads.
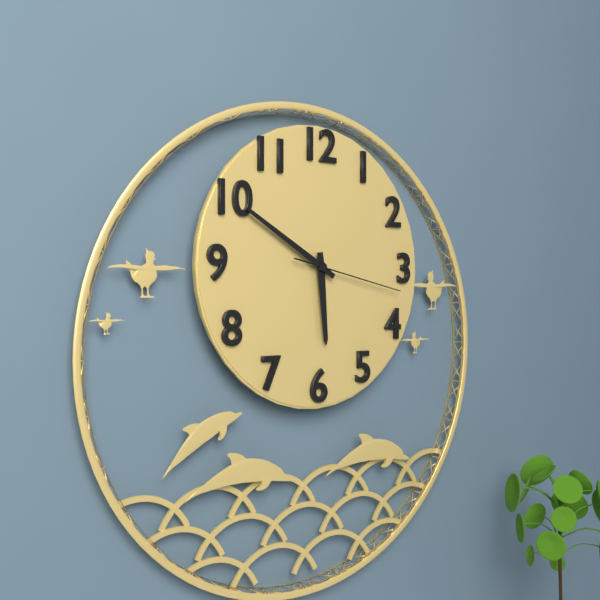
5:50:17
